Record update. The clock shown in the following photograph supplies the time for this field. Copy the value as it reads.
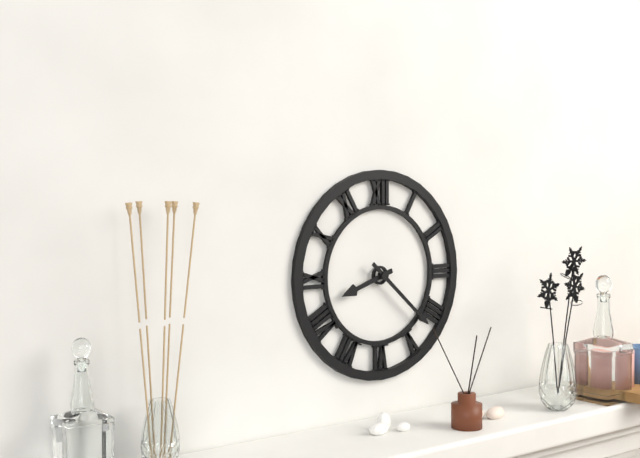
8:22
